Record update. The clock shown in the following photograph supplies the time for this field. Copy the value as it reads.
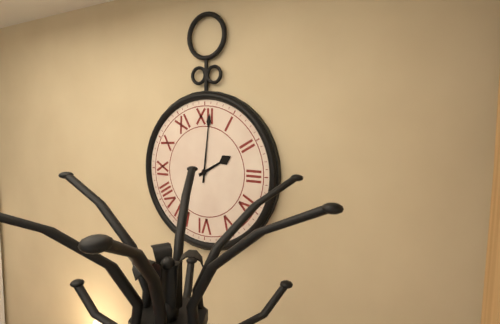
2:01
